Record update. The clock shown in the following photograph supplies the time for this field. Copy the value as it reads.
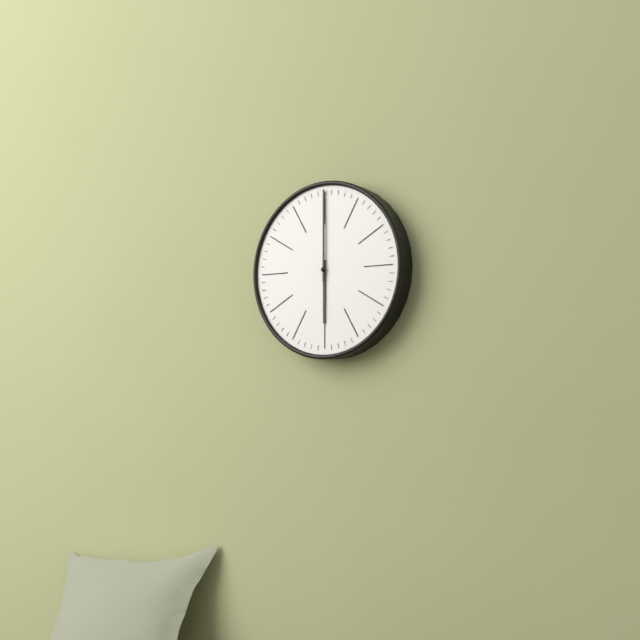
6:00
